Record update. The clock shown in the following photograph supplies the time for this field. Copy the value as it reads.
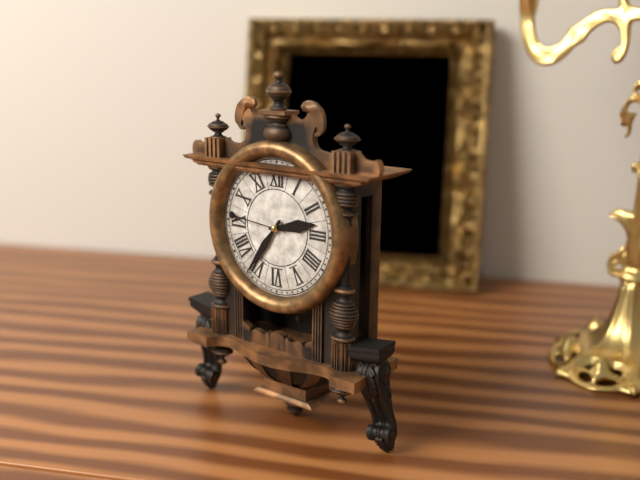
2:36:46
